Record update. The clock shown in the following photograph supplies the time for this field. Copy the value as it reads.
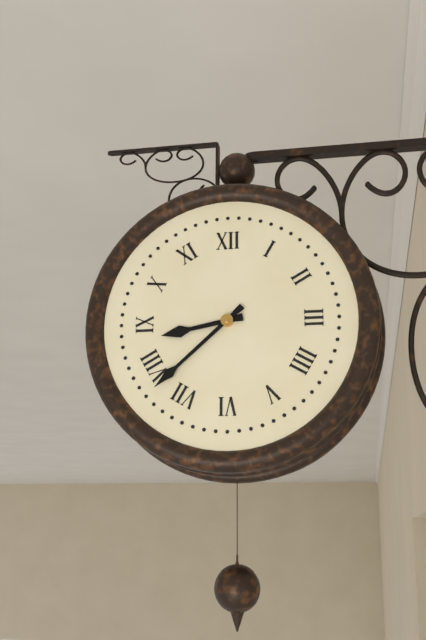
8:38
